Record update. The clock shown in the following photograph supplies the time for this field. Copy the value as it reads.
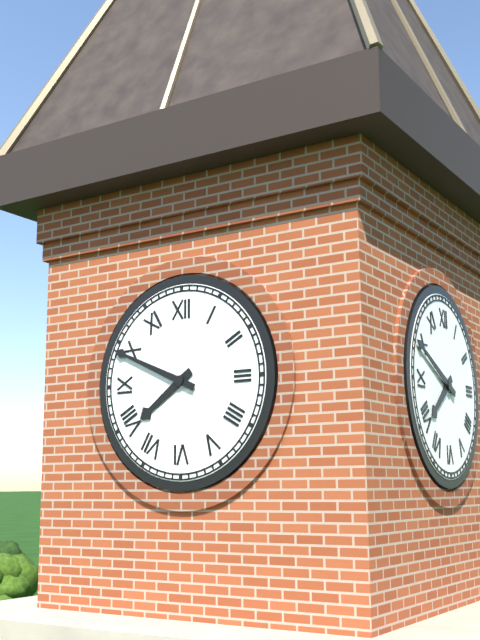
7:49
